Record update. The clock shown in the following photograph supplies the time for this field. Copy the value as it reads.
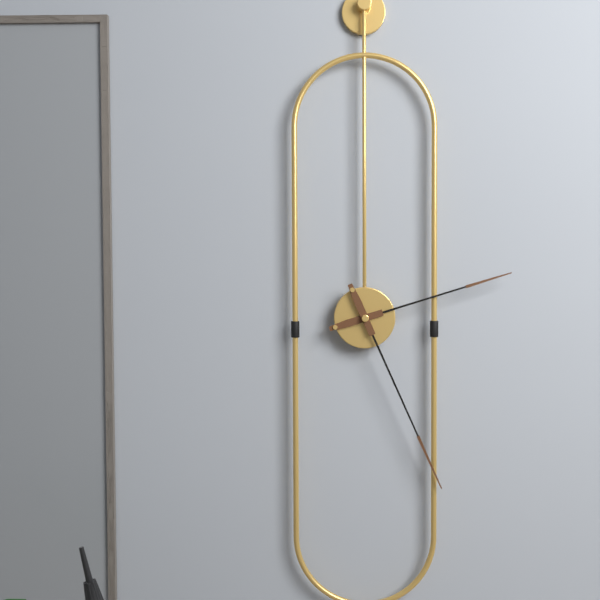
2:26
